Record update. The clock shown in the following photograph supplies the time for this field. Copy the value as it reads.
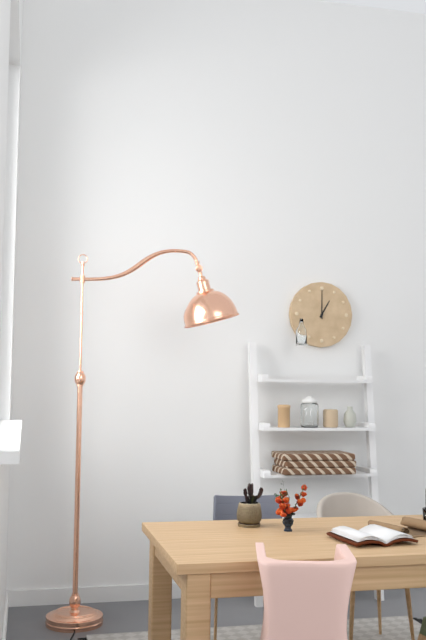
1:00
